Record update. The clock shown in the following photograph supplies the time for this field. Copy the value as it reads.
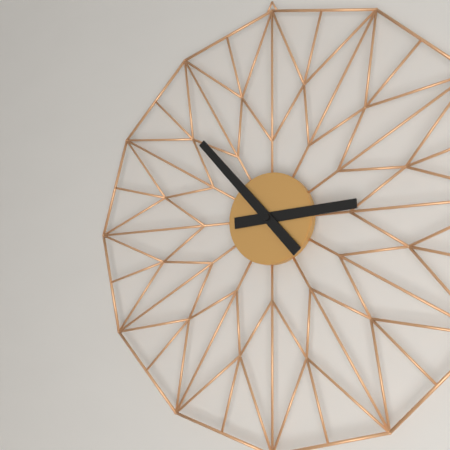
2:53
